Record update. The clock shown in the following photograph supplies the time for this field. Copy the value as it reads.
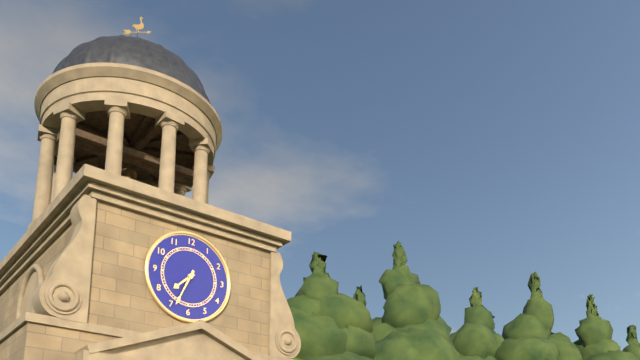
7:34
